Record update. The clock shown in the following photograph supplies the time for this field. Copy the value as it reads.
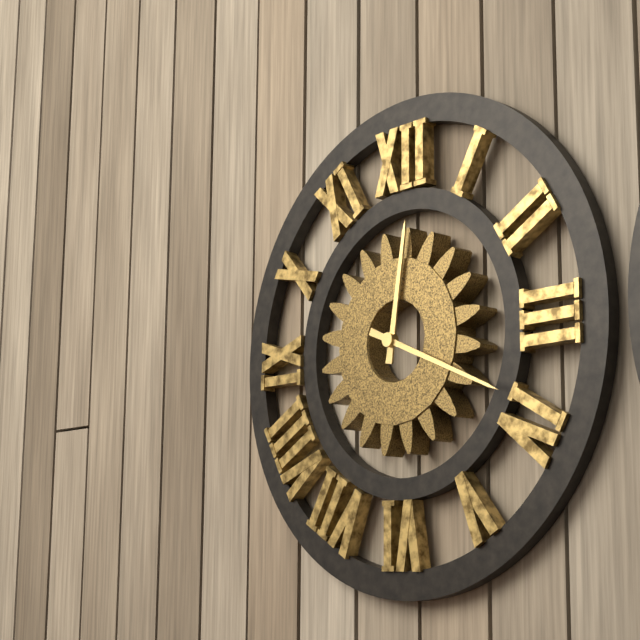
12:19
